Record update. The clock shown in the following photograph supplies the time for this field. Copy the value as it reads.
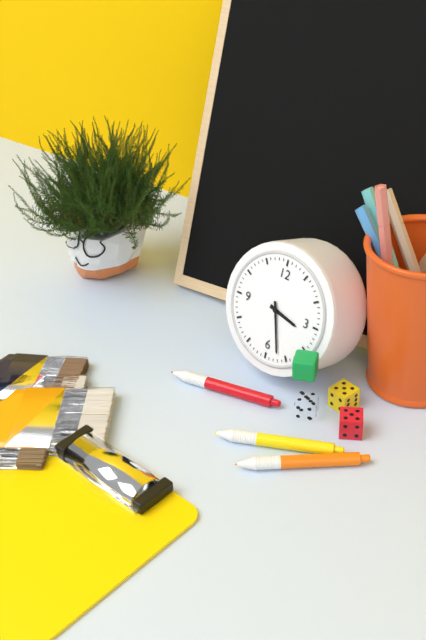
3:27
